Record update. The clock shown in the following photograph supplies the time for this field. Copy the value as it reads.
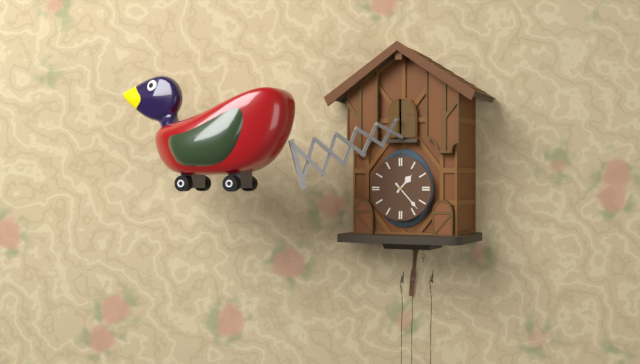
1:23
